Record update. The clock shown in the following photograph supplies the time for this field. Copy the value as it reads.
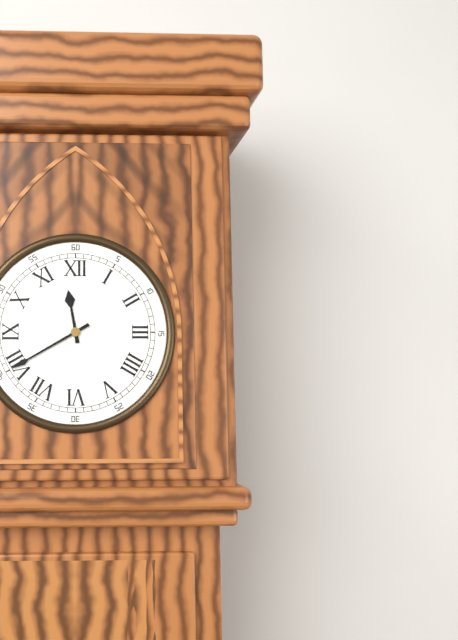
11:40
